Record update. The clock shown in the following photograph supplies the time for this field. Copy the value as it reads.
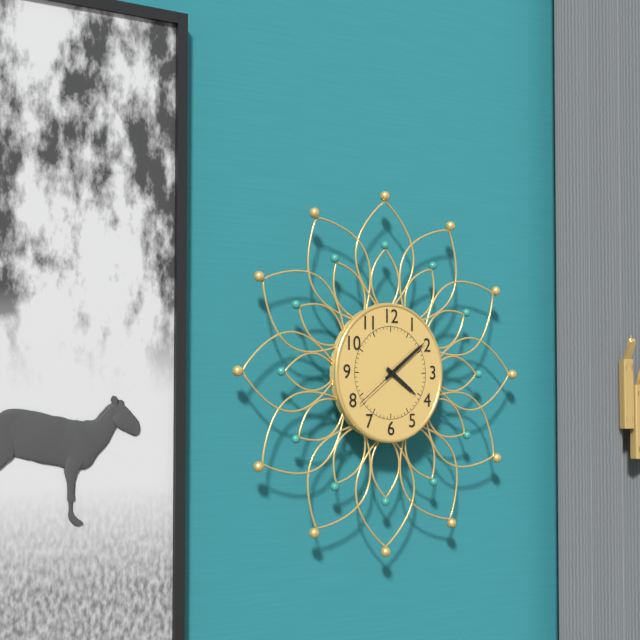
4:09:39
